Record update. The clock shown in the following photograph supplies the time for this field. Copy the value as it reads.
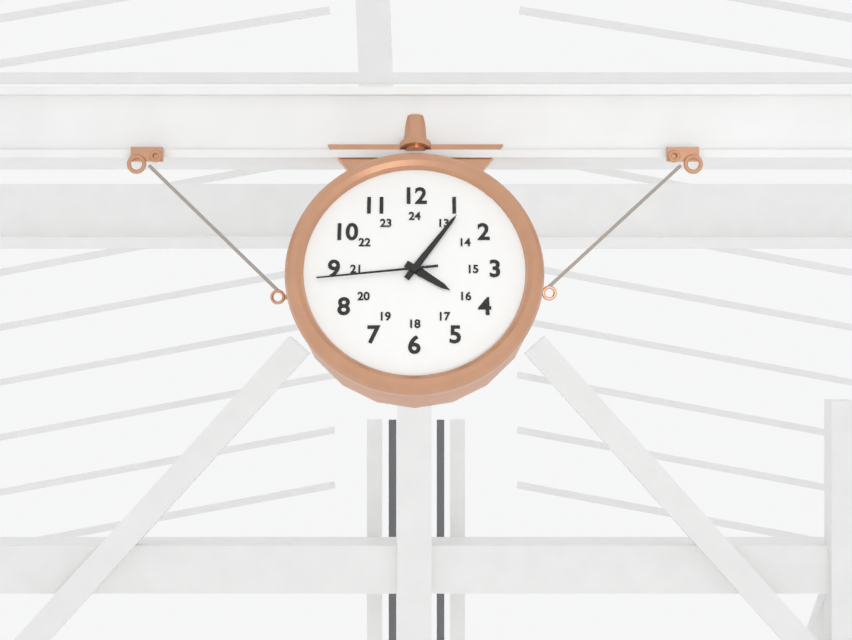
4:06:44
